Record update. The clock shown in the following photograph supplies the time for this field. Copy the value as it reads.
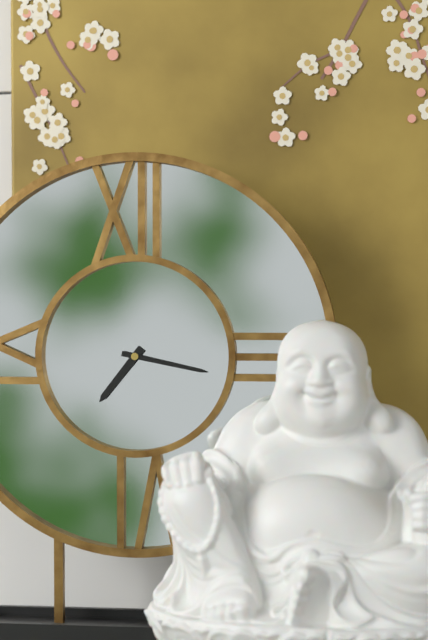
7:17
